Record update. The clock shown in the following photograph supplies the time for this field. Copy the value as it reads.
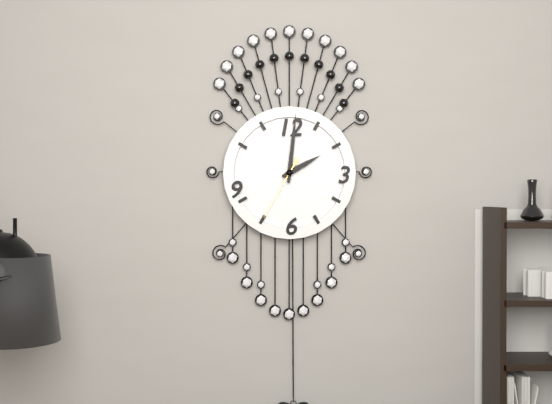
2:01:35
